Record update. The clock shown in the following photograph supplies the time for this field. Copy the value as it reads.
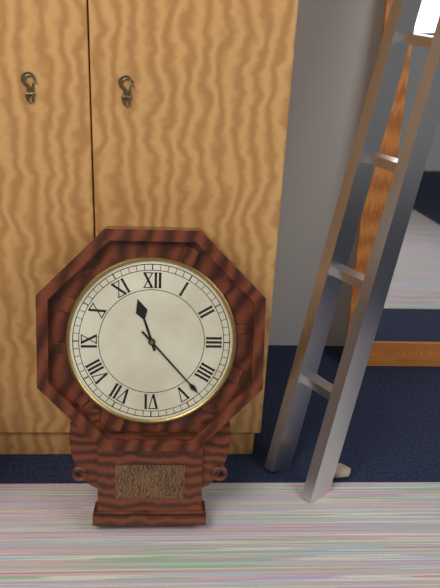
11:23
